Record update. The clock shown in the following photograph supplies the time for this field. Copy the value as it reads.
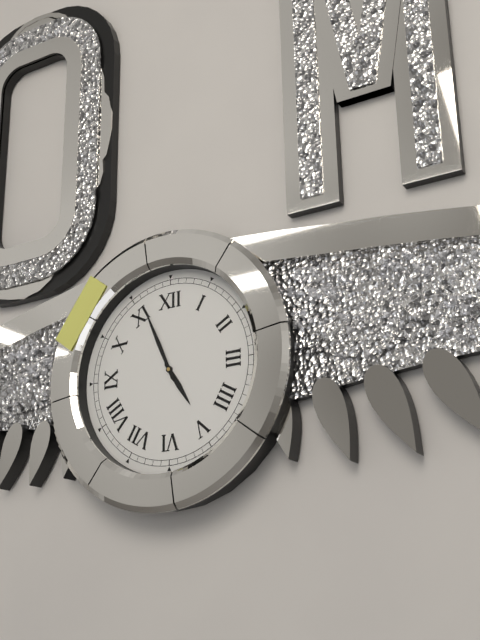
4:56
